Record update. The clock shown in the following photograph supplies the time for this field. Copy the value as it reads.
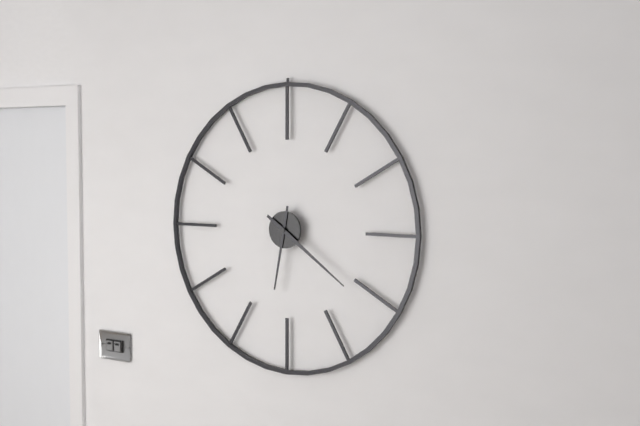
6:21
